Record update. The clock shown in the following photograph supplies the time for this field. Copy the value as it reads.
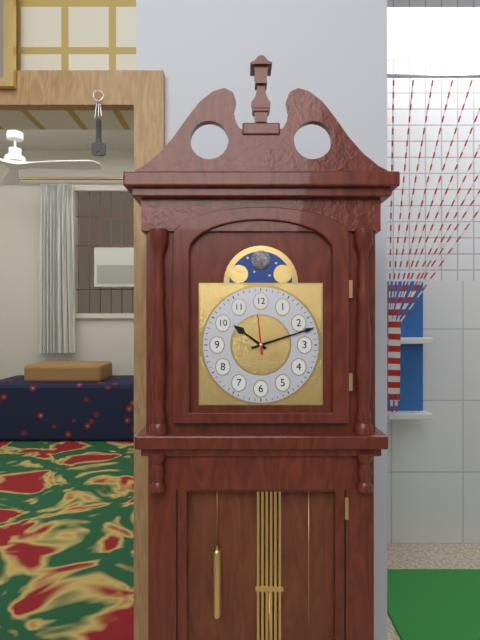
10:12
